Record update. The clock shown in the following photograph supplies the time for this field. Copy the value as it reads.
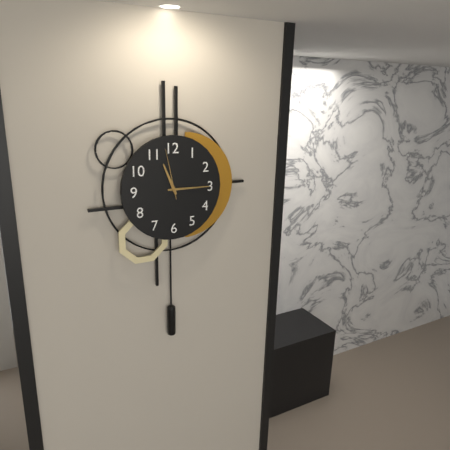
11:15:58
